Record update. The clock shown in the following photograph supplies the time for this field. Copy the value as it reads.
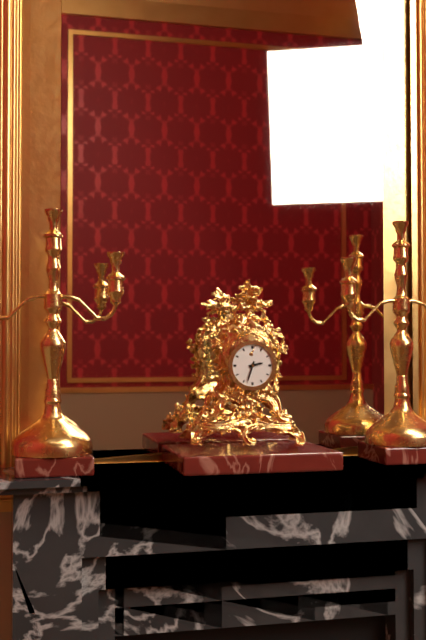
2:33
